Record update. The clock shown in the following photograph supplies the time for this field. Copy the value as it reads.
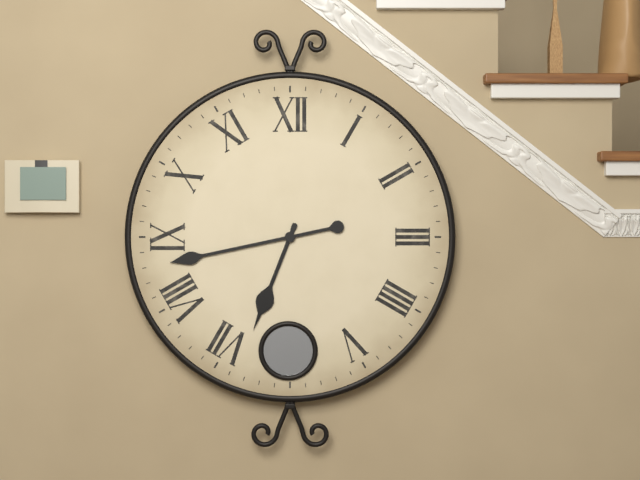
6:43
